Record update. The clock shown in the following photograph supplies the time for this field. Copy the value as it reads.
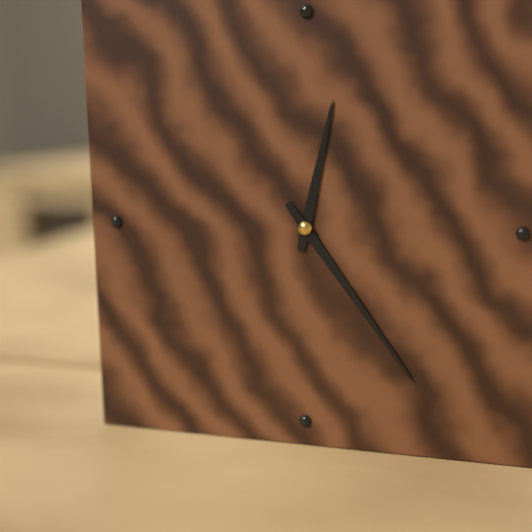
12:24
